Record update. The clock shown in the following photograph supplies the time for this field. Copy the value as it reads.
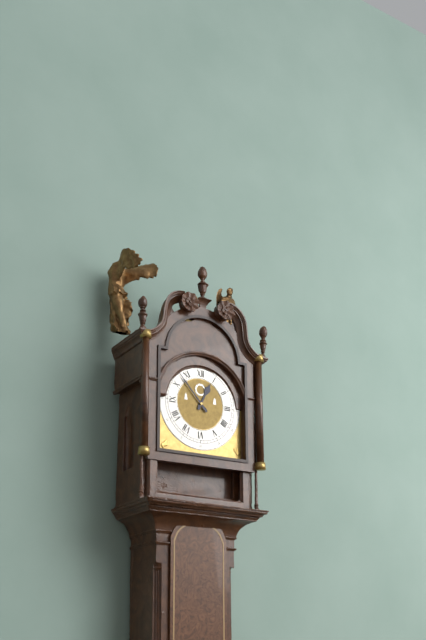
12:53
